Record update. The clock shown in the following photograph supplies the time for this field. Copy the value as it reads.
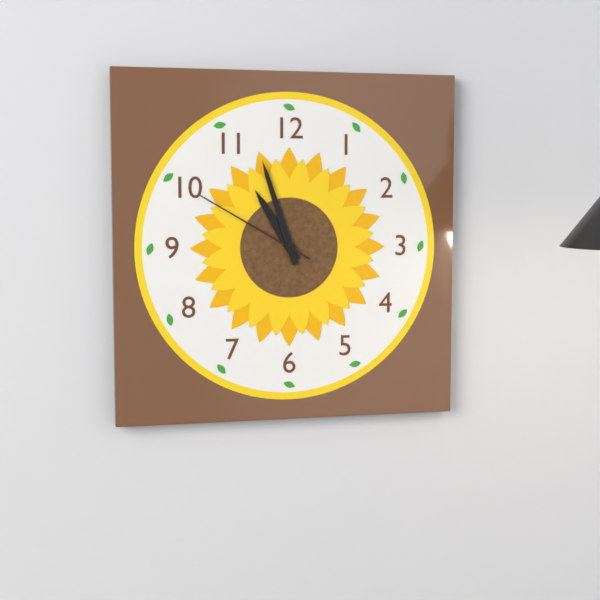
10:57:50
